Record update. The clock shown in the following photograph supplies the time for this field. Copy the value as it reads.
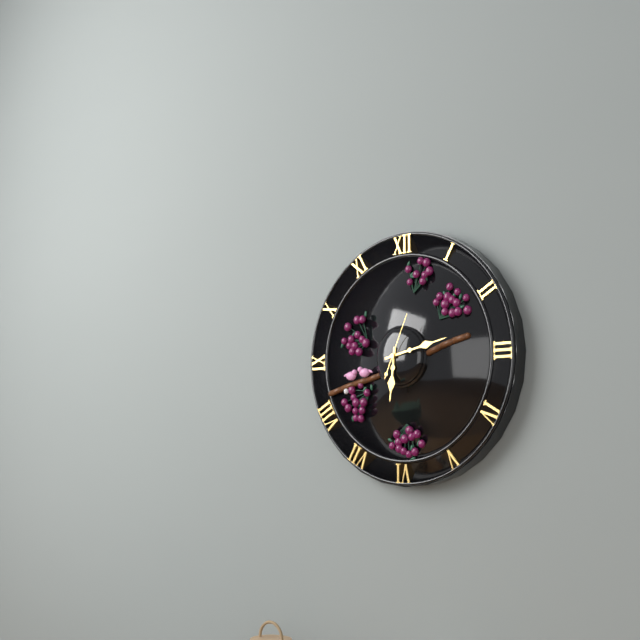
6:13:04
